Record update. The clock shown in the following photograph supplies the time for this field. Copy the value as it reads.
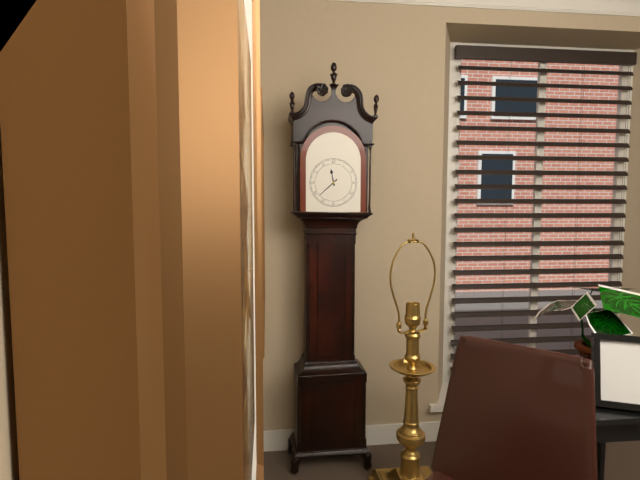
11:38
